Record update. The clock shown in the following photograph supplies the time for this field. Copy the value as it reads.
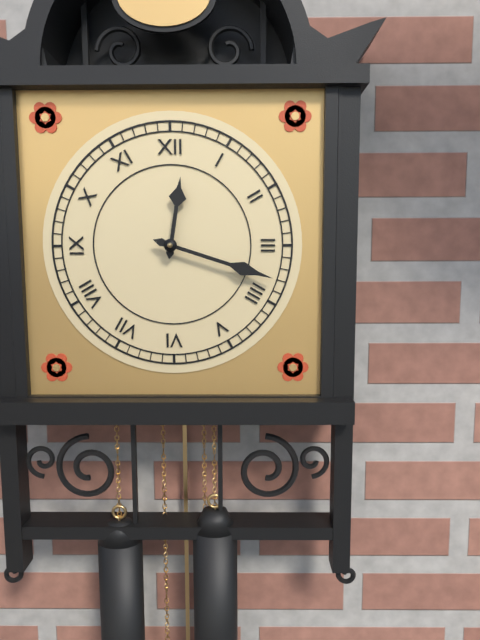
12:18
